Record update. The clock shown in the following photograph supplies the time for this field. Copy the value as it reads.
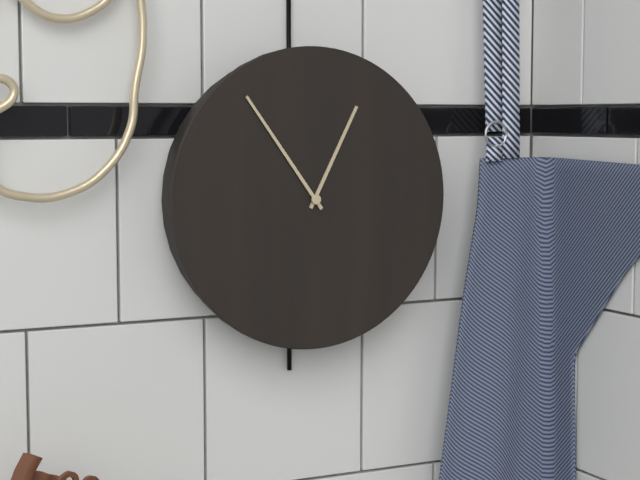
12:54
